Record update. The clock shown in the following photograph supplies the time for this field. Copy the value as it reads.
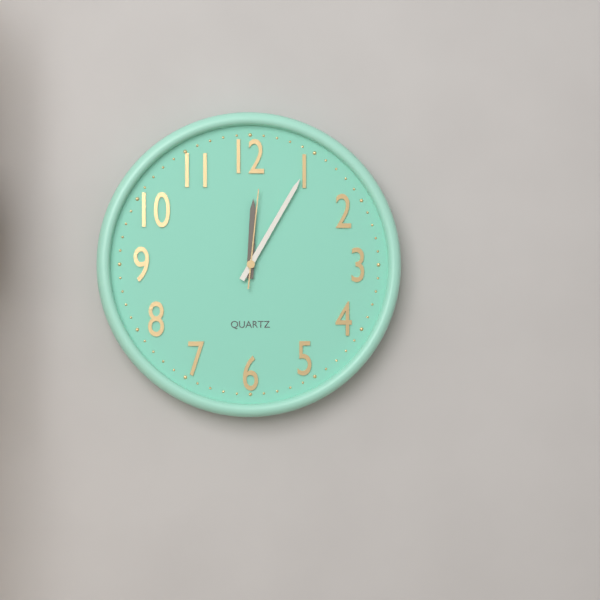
12:05:01
